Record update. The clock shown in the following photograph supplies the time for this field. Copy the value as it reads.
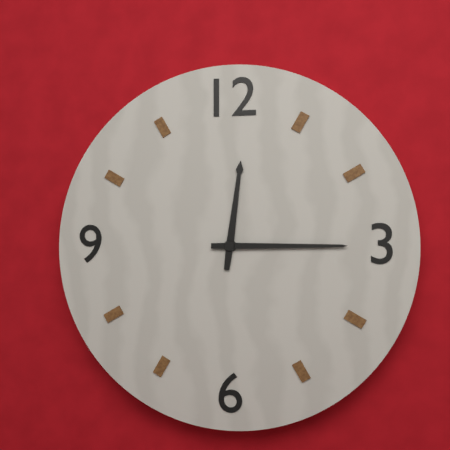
12:15
